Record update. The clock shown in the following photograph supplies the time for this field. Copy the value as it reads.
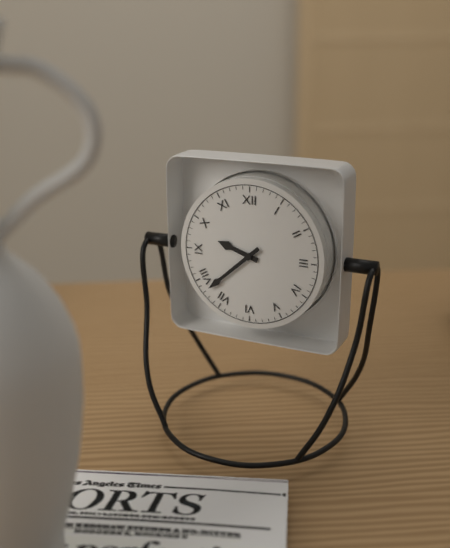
9:38
